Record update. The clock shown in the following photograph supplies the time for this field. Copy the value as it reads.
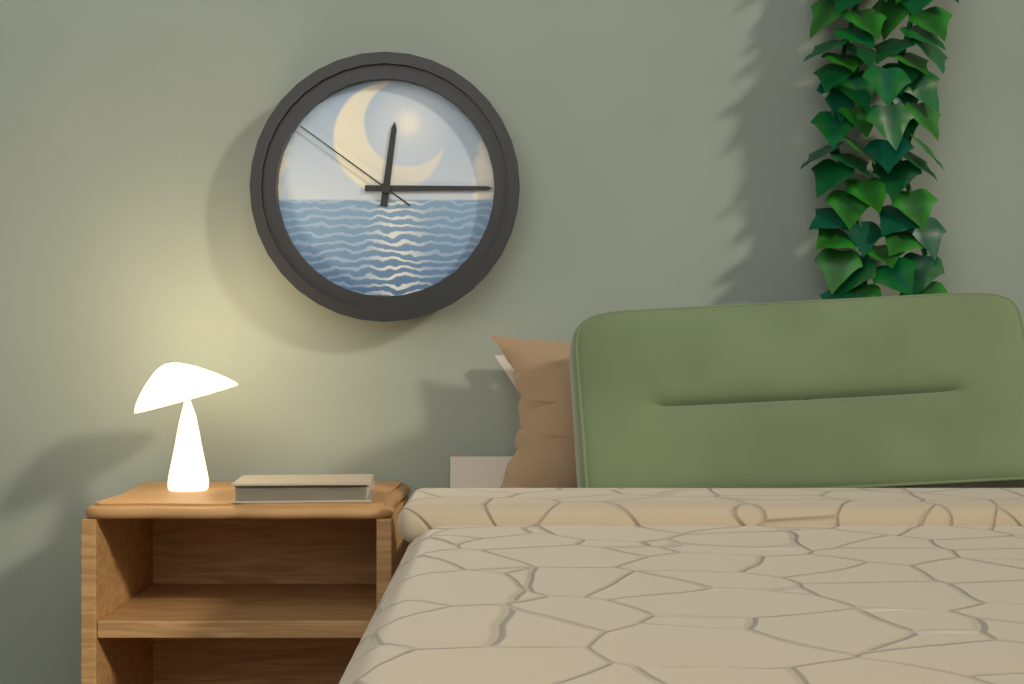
12:15:51
